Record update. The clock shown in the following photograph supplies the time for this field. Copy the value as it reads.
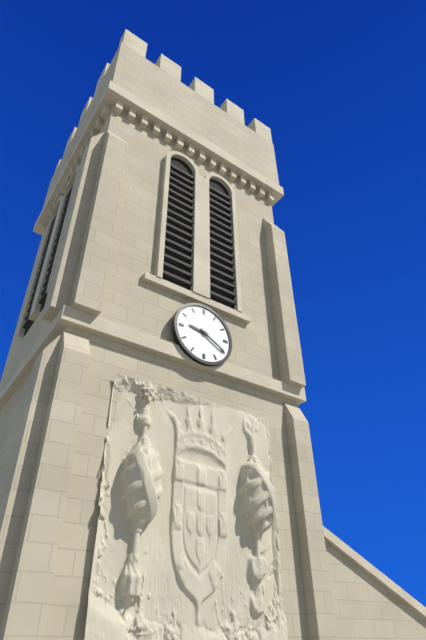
9:20
